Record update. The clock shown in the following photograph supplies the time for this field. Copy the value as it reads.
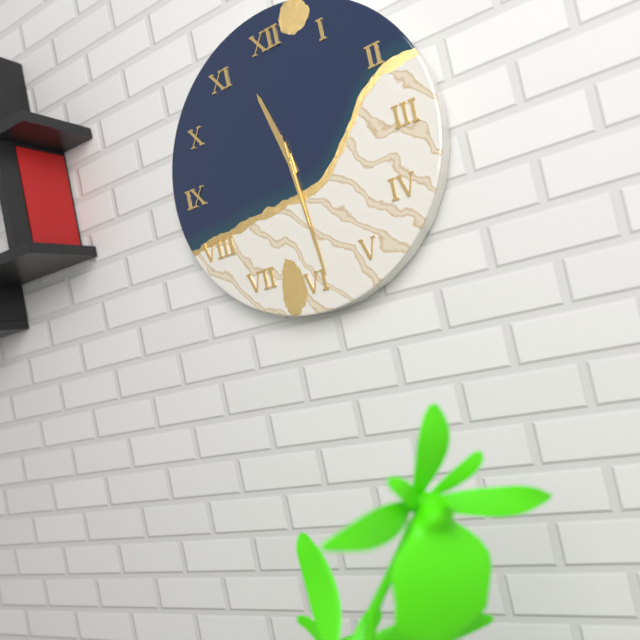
11:29:29
